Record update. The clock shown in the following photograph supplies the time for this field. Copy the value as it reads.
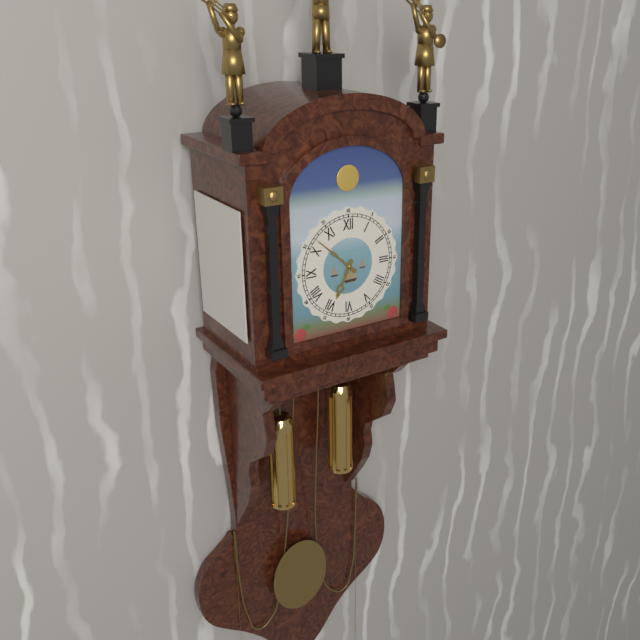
6:52
